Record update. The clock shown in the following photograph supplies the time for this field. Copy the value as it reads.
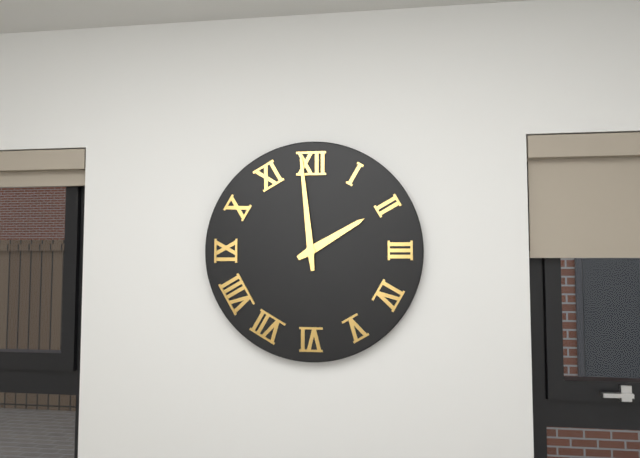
1:59
